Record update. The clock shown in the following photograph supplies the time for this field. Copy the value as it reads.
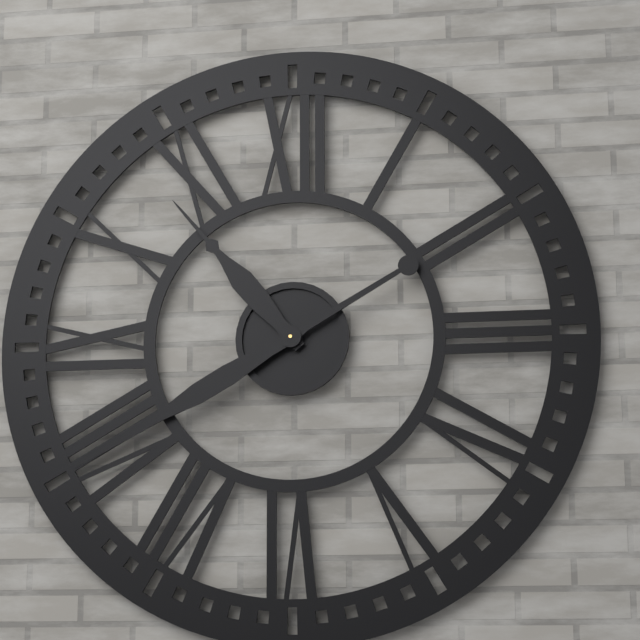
10:40
